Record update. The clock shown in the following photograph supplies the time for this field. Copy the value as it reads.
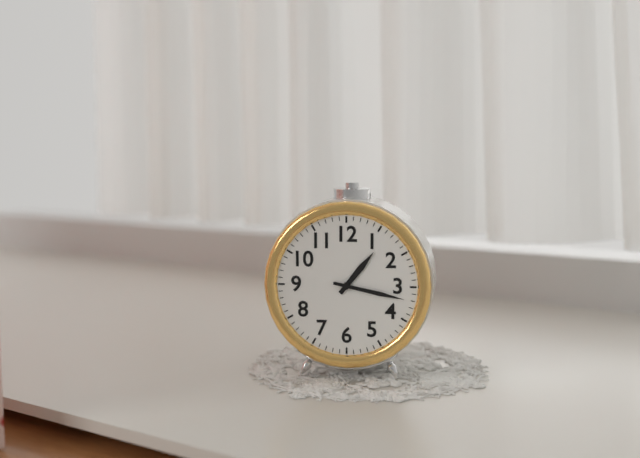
1:17
